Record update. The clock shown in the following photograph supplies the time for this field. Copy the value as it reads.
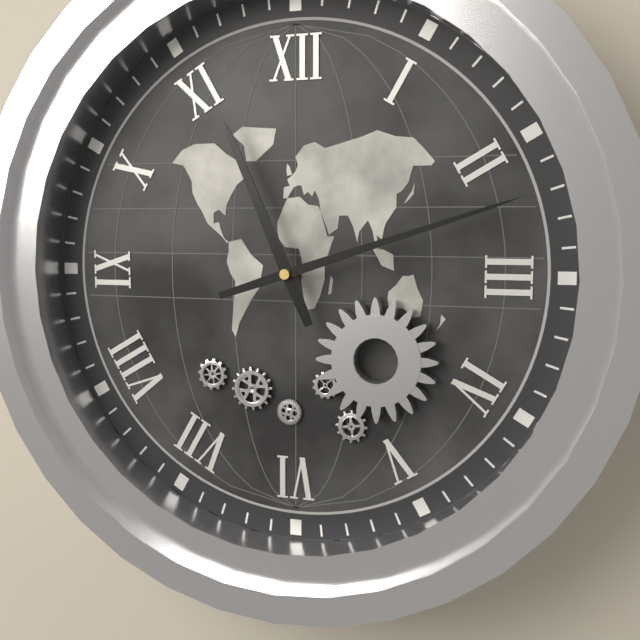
11:12
